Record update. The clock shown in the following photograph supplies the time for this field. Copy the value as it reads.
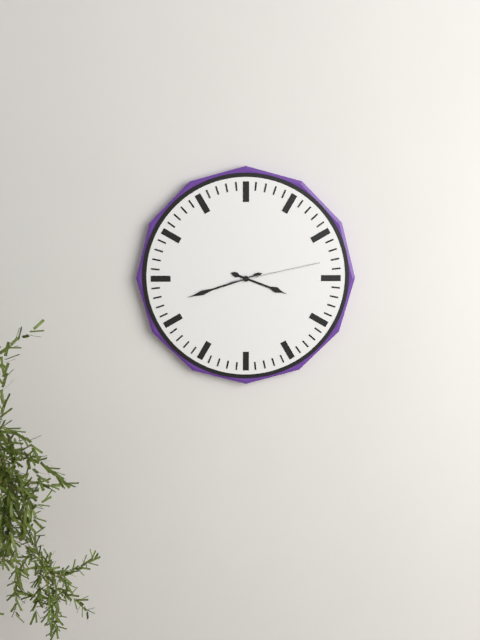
3:42:13
